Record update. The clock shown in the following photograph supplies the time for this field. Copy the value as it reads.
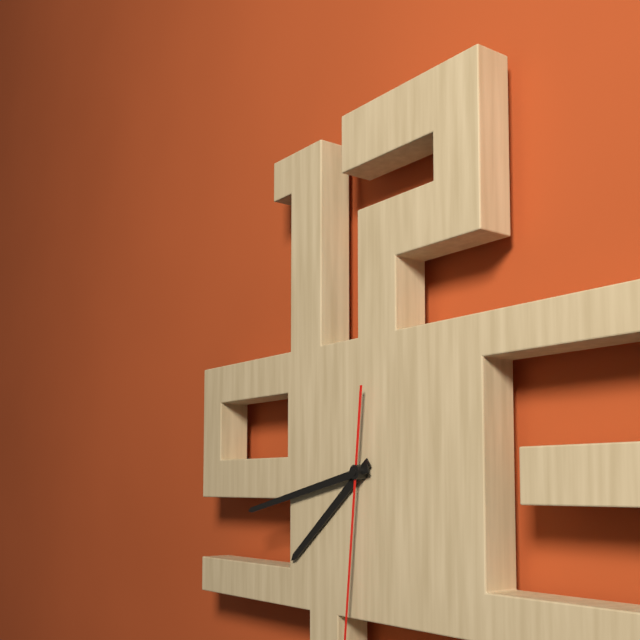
7:43
